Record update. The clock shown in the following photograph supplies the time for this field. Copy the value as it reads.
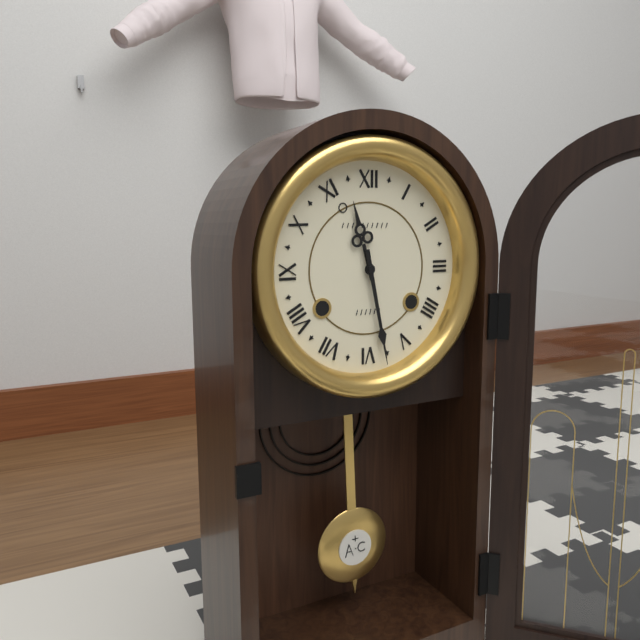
11:28
